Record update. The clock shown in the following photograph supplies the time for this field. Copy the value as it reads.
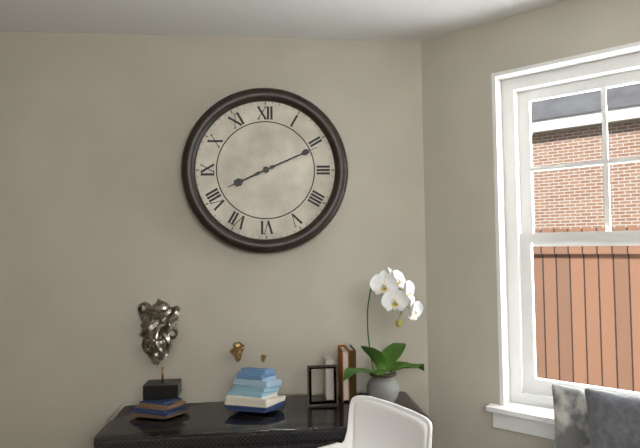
8:11
